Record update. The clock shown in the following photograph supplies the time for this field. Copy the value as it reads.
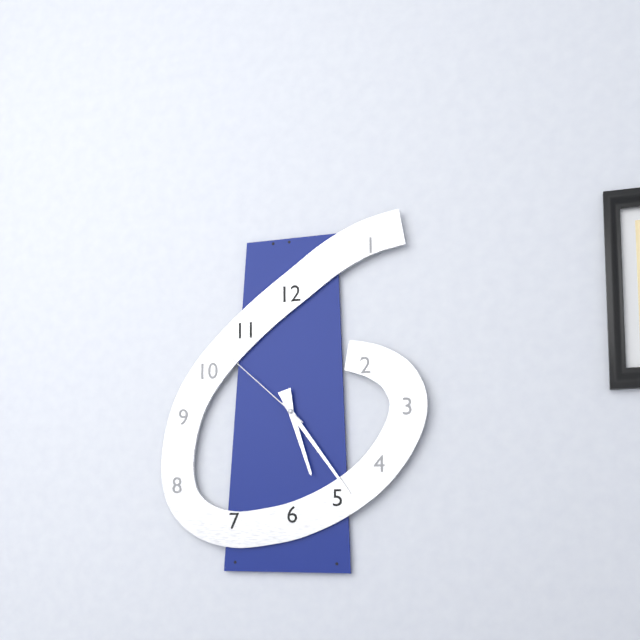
5:24:52
